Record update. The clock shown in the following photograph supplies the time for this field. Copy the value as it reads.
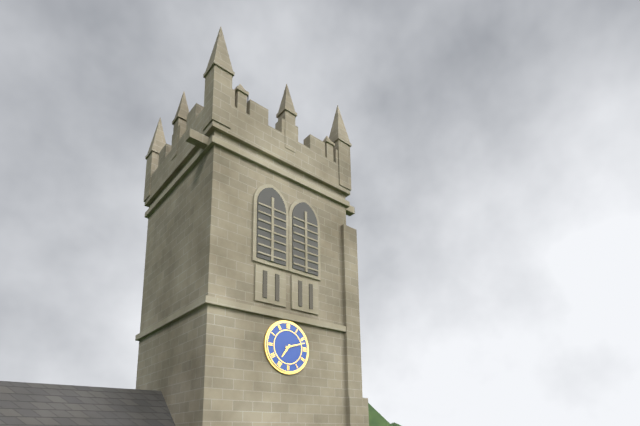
7:12
